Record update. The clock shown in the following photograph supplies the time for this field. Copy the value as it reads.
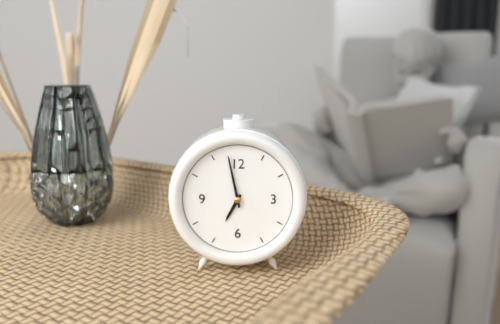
6:58
